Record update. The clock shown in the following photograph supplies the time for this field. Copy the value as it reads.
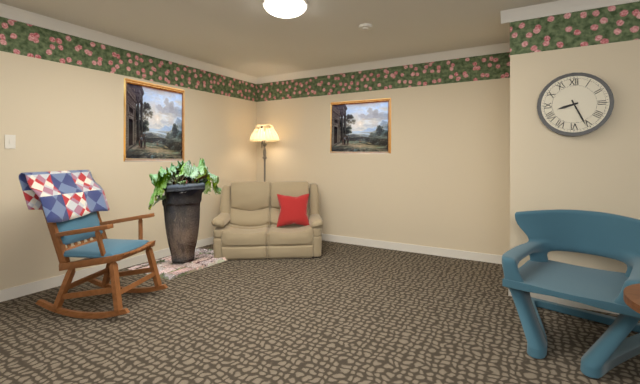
8:26
